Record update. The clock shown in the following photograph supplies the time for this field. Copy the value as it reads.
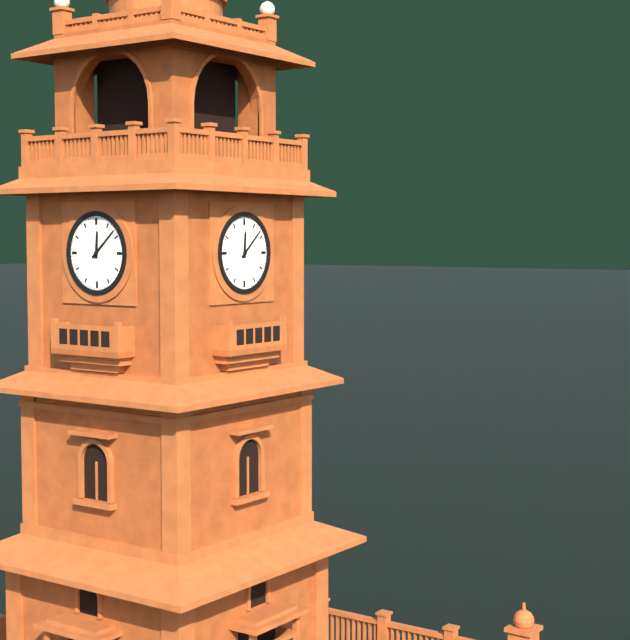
12:08
